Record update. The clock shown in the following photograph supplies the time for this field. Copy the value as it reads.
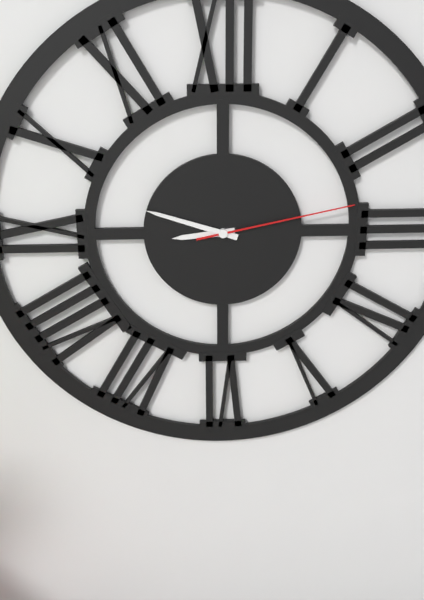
8:48:13
